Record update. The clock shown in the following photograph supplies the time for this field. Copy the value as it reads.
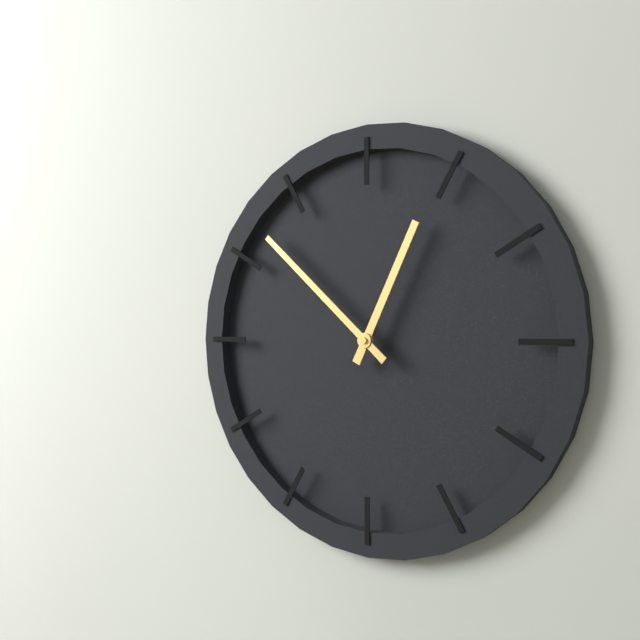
12:52
